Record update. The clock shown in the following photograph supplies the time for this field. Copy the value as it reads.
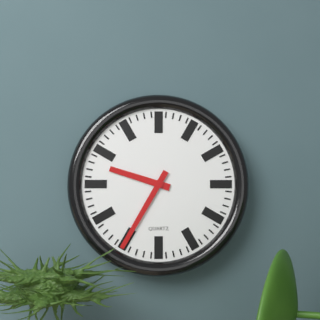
9:35
